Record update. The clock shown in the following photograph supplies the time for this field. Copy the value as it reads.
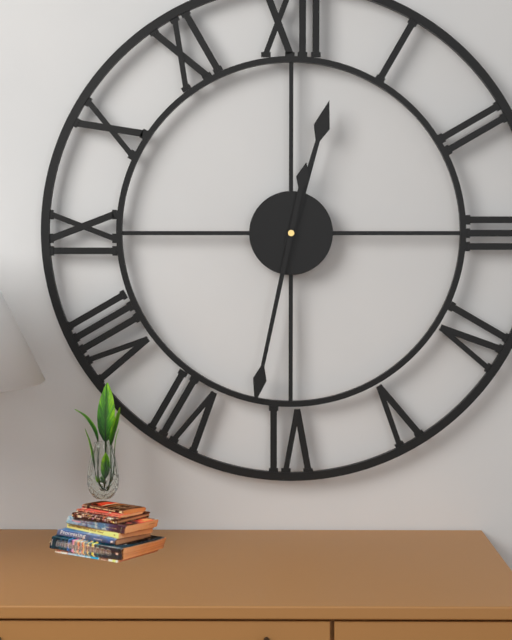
12:32
